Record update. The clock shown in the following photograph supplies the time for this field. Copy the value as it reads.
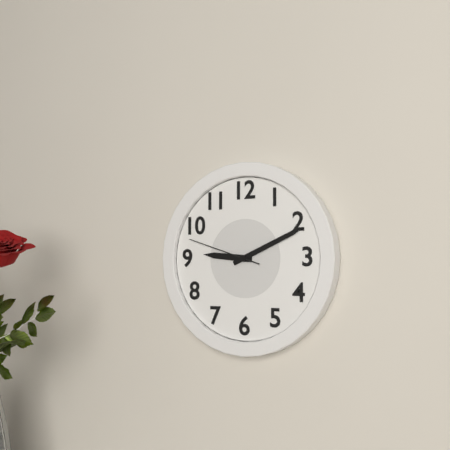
9:11:48
